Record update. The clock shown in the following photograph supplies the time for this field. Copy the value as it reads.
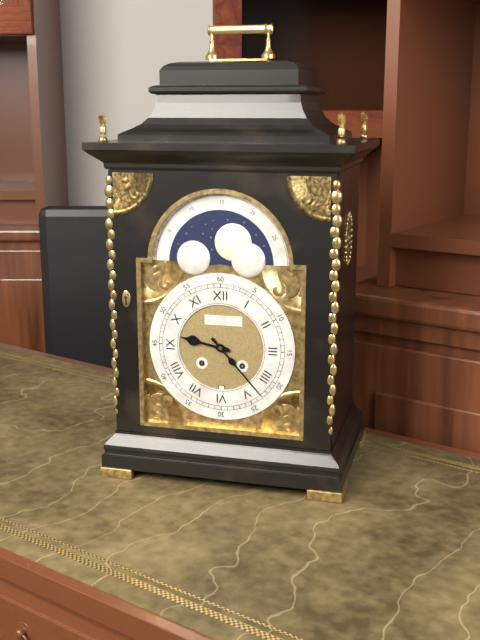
9:23
